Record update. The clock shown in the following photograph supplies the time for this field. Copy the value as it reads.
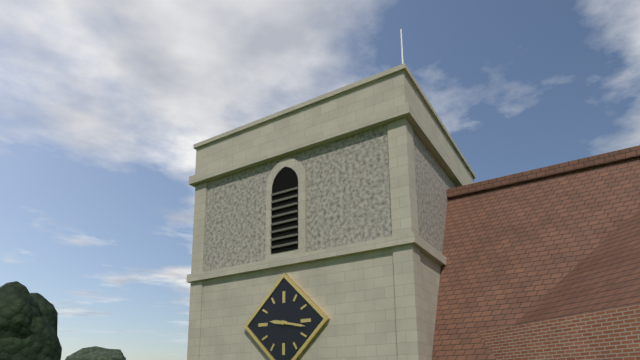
9:17
